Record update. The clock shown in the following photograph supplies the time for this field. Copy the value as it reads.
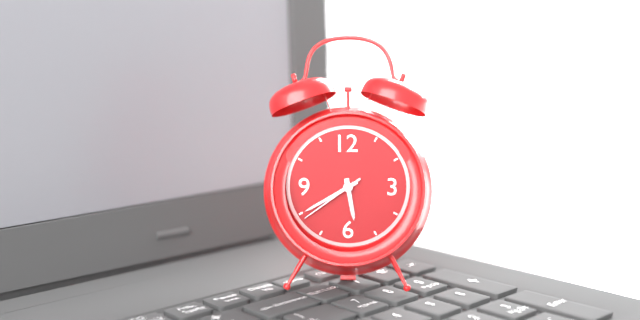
5:40:39
